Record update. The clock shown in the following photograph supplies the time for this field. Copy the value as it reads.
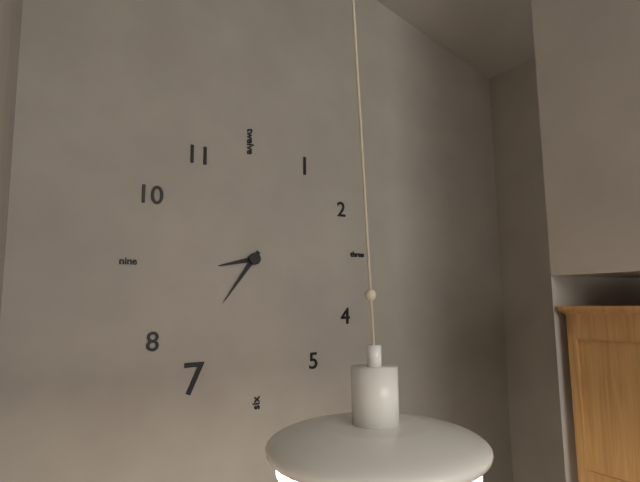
8:36
